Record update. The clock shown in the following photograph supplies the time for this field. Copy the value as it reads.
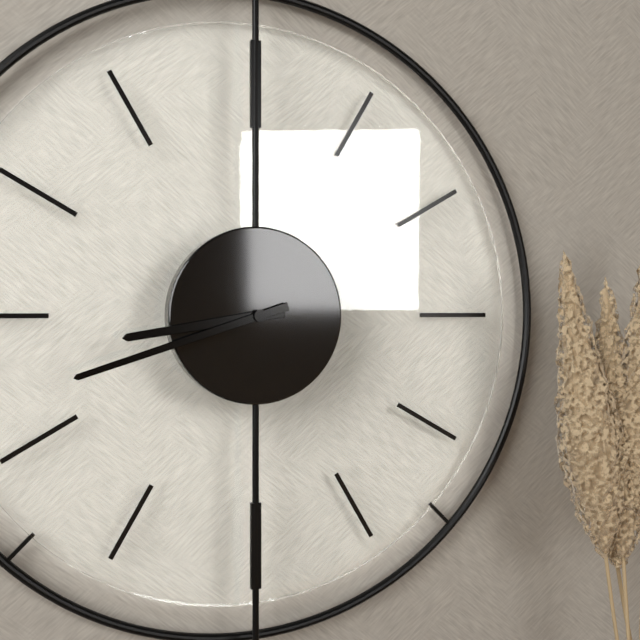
8:42
